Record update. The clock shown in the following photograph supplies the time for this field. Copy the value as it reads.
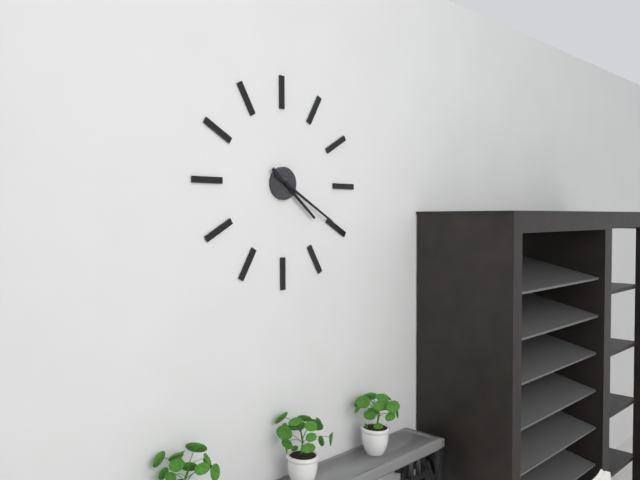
4:20
